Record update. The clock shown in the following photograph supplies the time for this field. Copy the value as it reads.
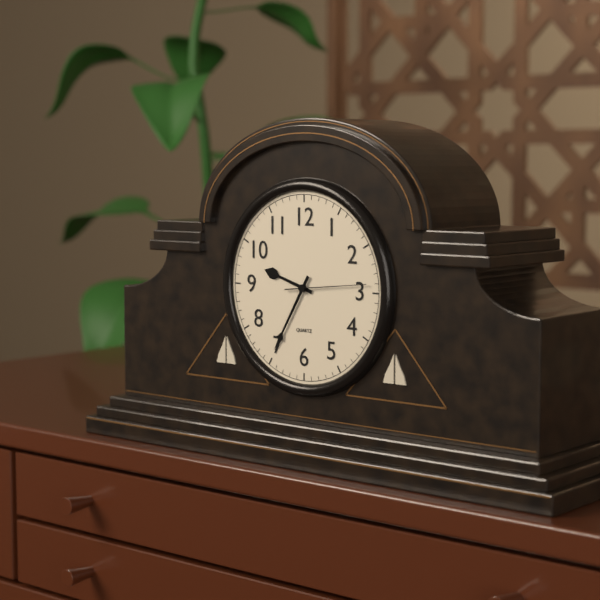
9:35:14
